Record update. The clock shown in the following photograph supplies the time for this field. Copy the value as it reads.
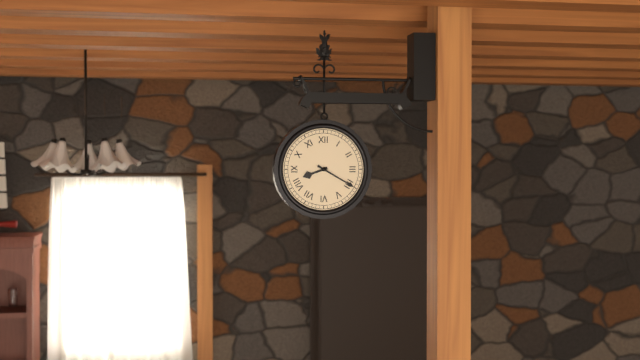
8:20
